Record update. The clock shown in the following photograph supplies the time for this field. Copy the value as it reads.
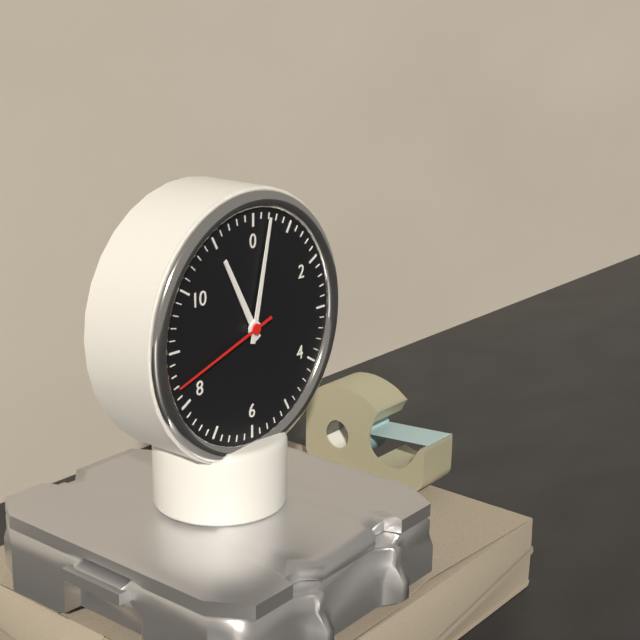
11:02:42
